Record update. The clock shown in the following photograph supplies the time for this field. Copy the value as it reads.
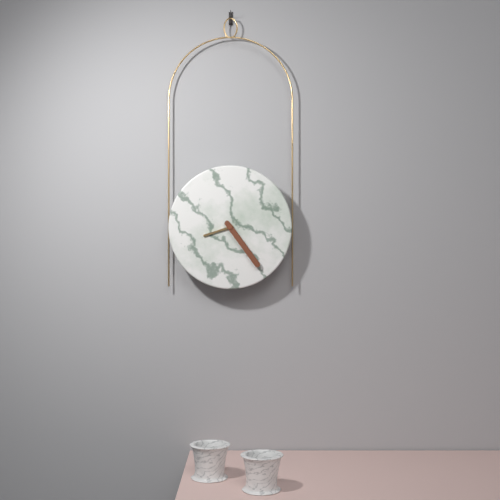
8:24
